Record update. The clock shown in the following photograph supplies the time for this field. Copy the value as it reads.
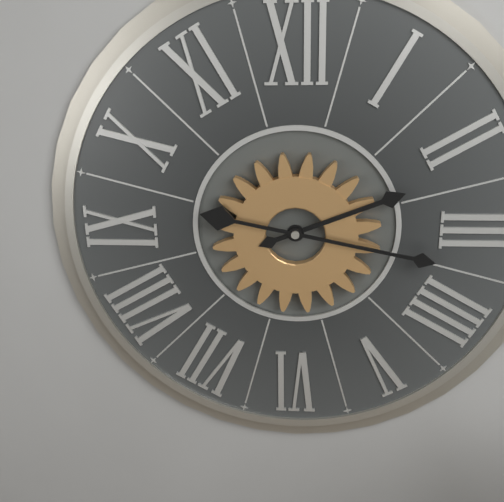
2:17
